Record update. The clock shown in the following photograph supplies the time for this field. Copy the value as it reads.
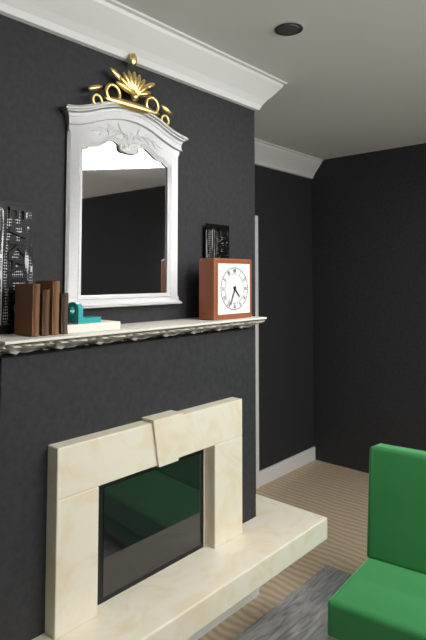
4:34
